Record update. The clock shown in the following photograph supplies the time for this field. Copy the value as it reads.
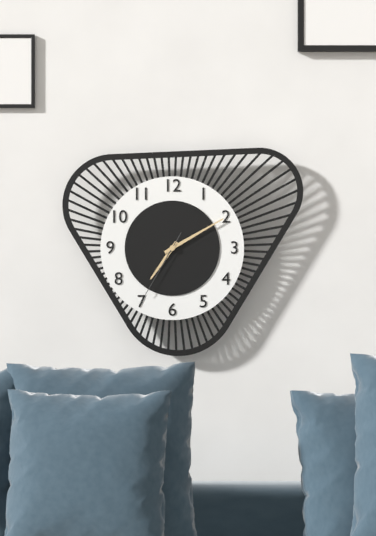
7:10:35
